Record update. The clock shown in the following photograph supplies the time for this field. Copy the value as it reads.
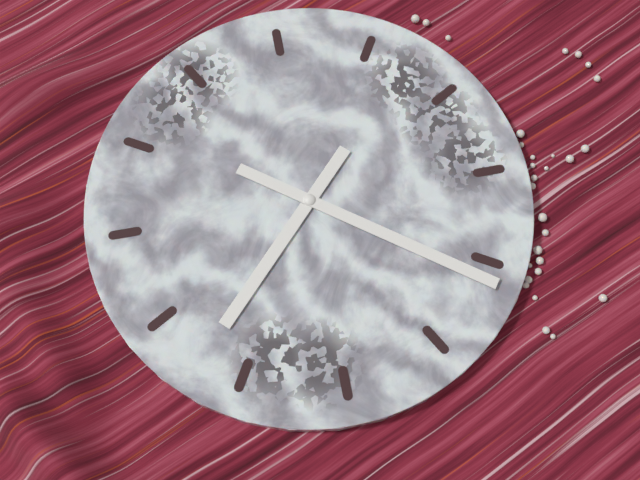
8:26
